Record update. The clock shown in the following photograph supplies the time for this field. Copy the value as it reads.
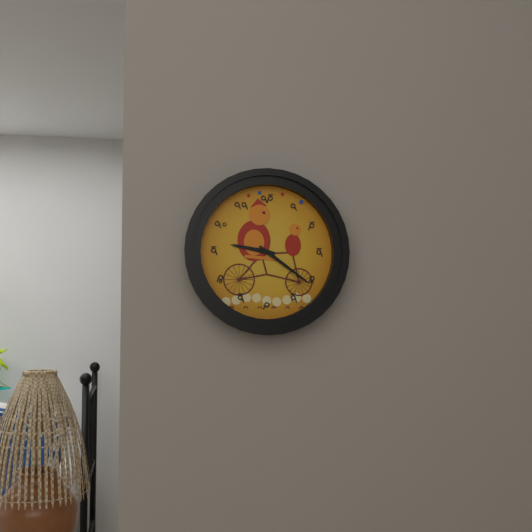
9:21
